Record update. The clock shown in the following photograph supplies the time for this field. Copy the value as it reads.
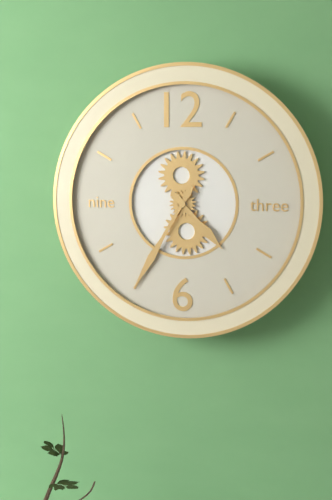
4:35
